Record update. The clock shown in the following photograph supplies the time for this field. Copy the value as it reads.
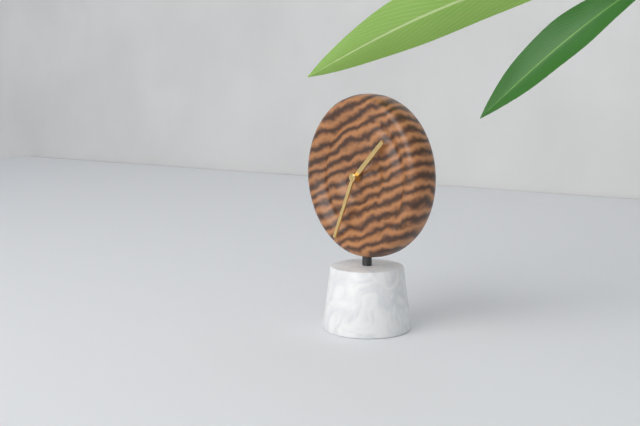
1:34
